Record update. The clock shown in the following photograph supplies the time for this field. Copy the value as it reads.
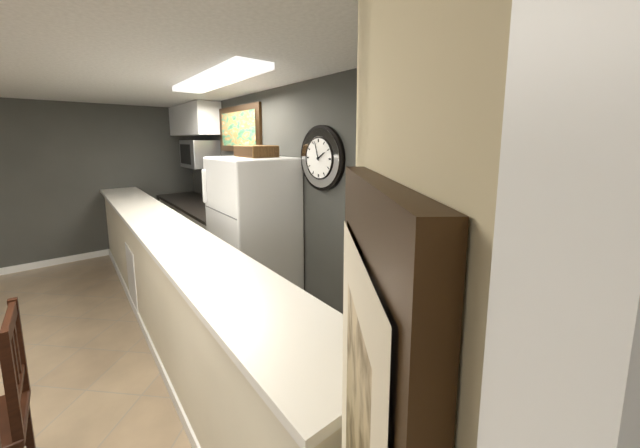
1:57
